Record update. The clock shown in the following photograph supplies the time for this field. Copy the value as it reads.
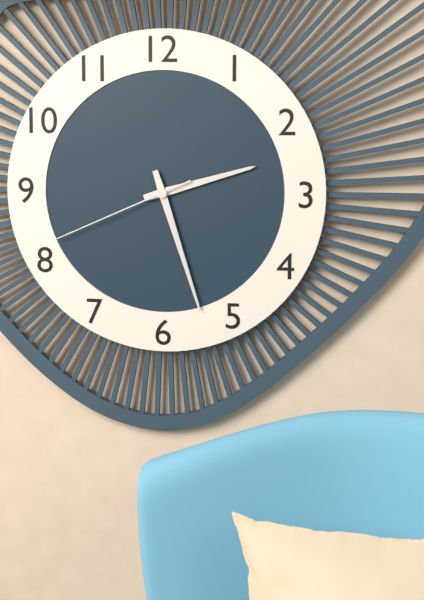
2:27:41
